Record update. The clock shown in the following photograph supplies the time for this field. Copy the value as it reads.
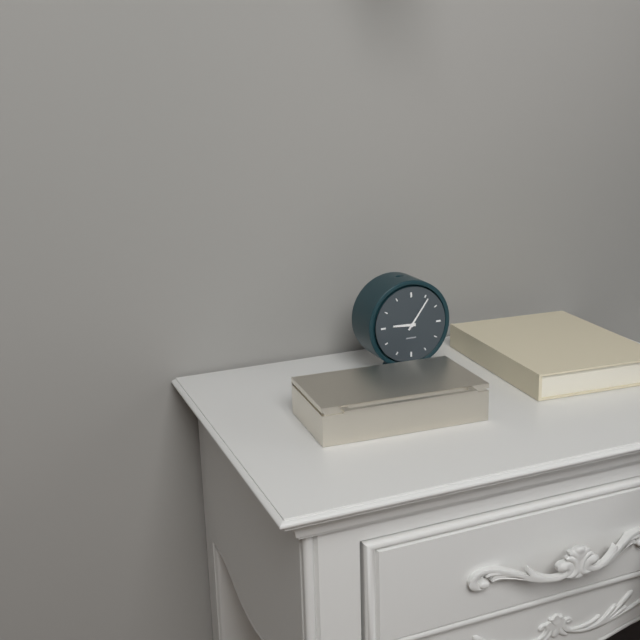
9:06
